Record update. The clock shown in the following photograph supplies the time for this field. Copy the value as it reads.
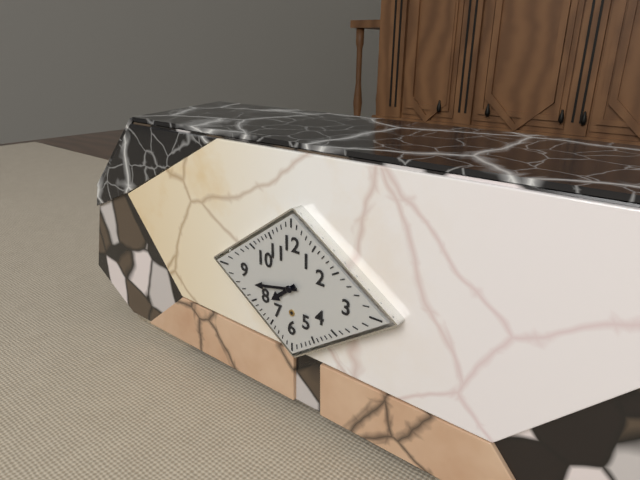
7:43
